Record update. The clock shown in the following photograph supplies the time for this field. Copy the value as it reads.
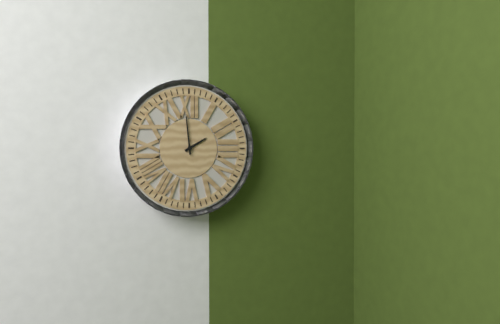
1:59
